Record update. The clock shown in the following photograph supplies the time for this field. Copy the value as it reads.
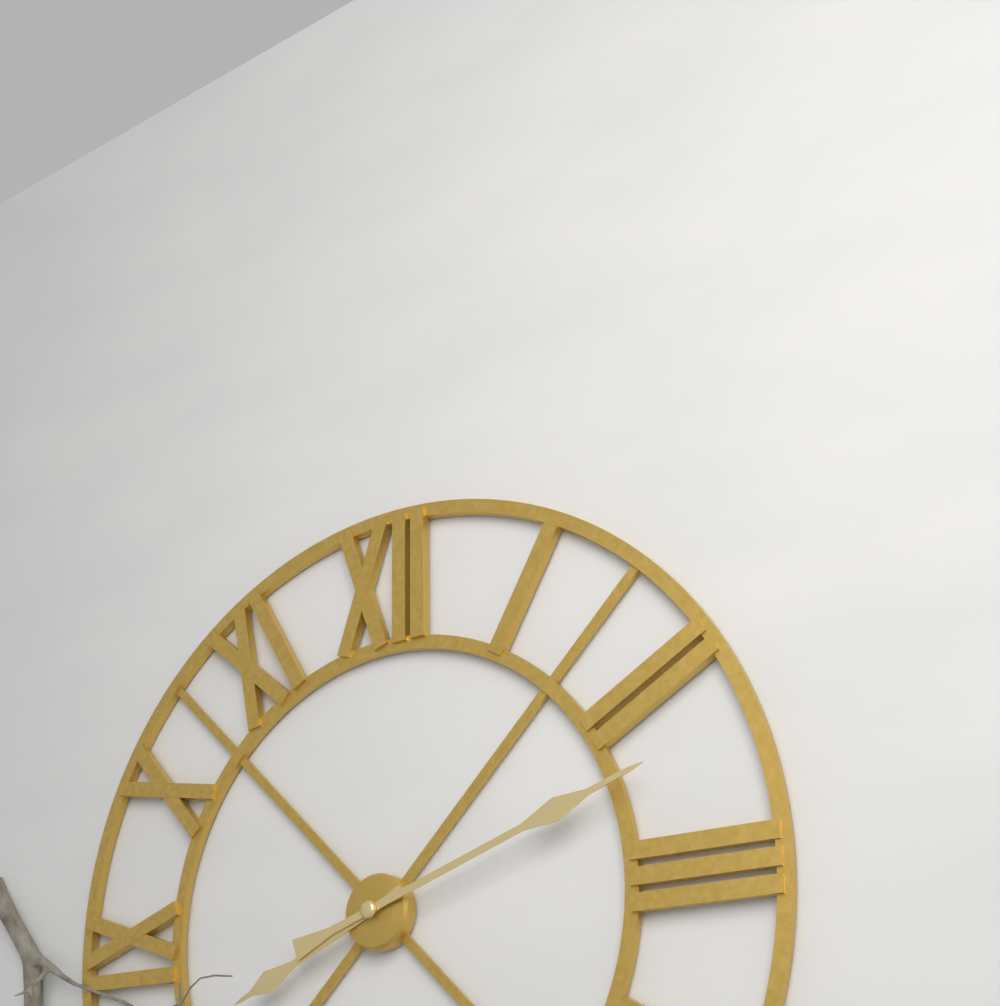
8:12
